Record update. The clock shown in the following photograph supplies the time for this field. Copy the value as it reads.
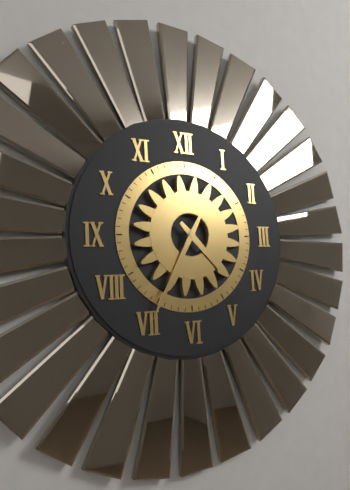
4:35
